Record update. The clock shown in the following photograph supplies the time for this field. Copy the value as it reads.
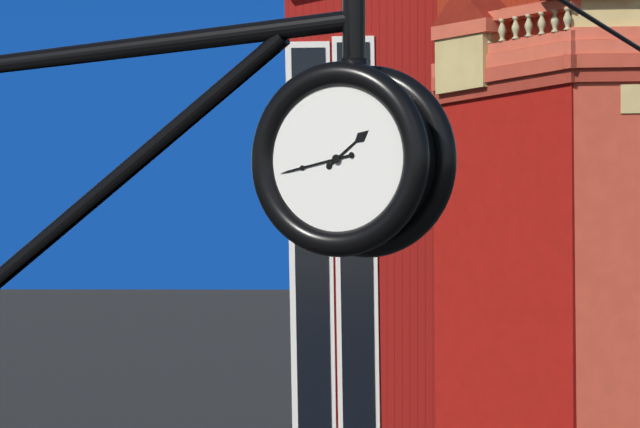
1:43
